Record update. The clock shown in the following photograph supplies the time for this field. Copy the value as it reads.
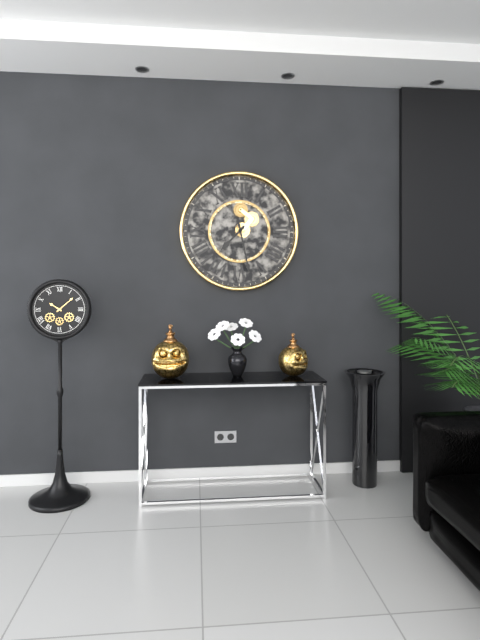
7:28
